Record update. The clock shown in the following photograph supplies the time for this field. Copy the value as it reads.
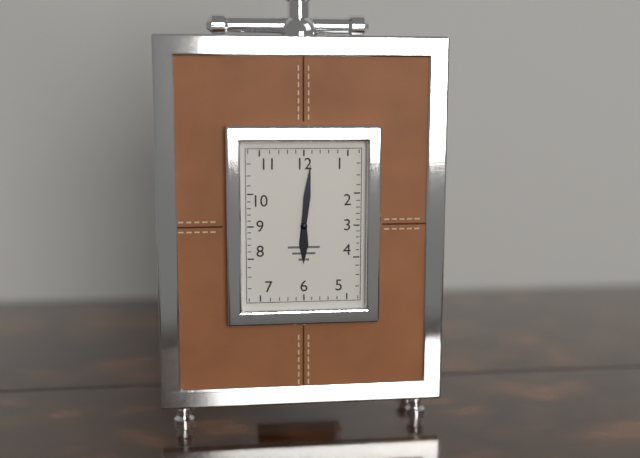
6:01
